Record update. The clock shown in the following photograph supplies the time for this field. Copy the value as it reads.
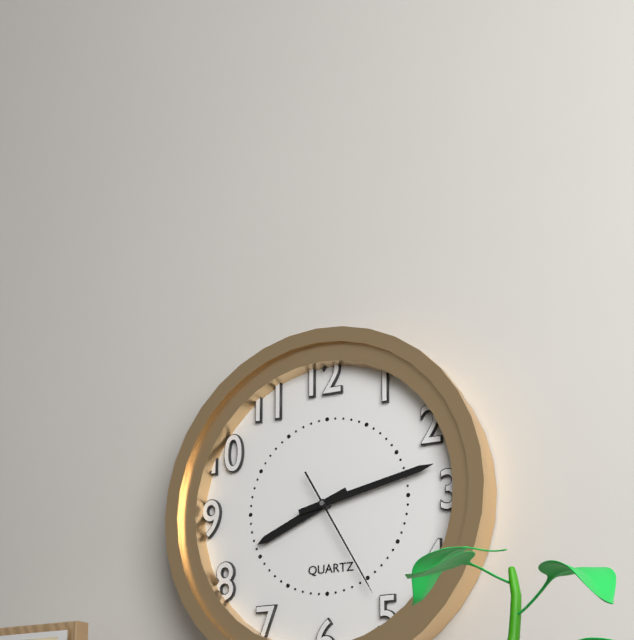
8:13:25
